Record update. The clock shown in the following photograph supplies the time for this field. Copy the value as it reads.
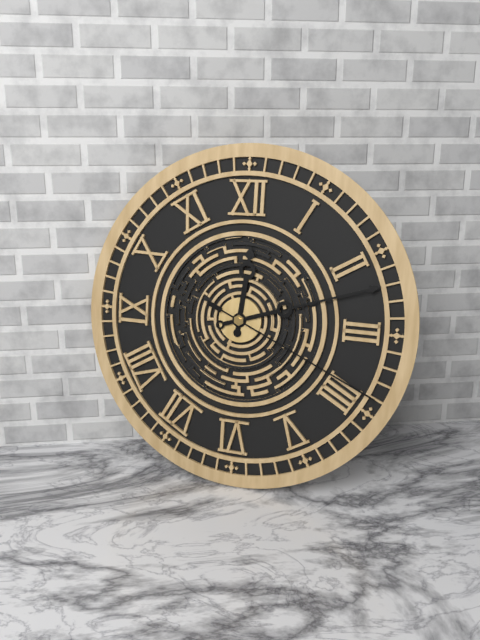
12:12:19
